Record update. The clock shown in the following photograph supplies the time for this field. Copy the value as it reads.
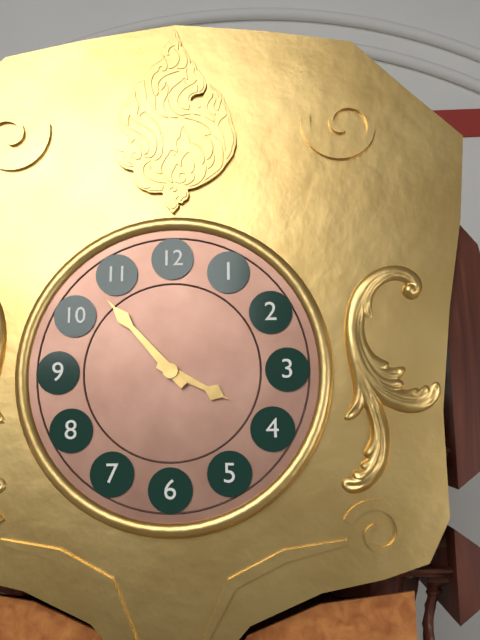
3:53
